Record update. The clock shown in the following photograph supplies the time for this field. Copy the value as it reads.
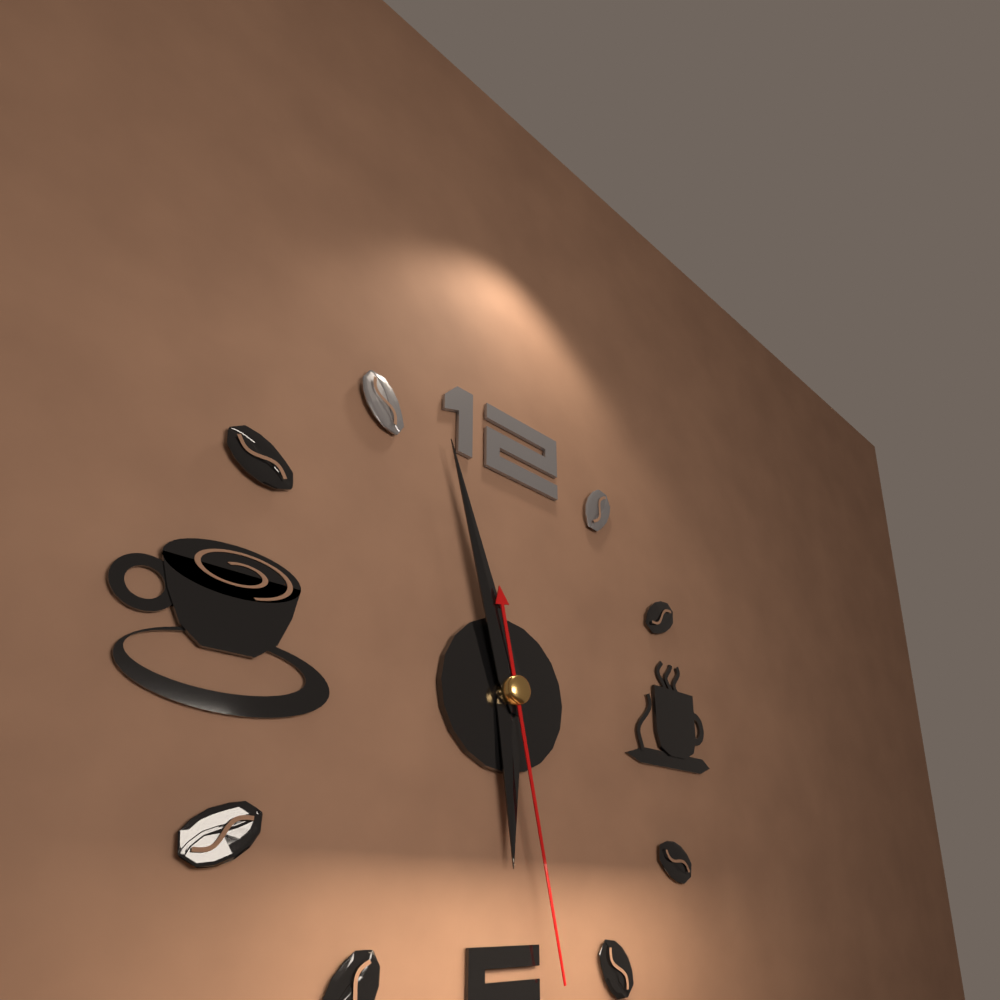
5:57:28
